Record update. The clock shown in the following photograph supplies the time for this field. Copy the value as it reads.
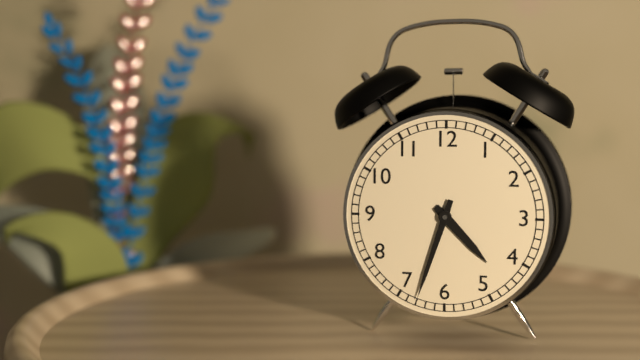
4:33
